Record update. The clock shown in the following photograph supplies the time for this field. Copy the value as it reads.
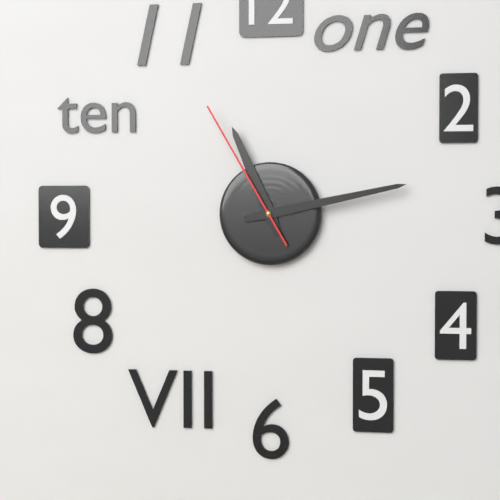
11:13:55
